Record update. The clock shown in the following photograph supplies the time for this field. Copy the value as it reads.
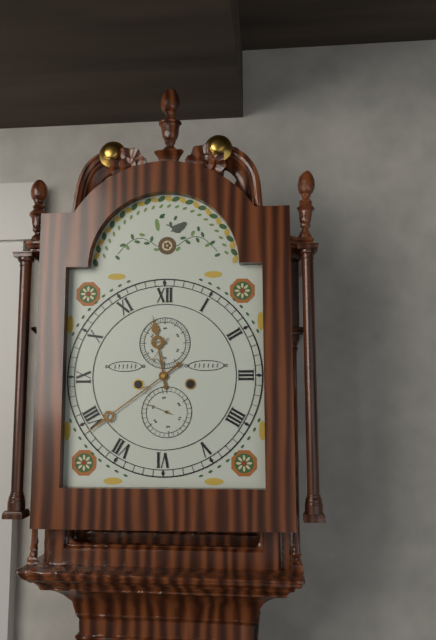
11:39
